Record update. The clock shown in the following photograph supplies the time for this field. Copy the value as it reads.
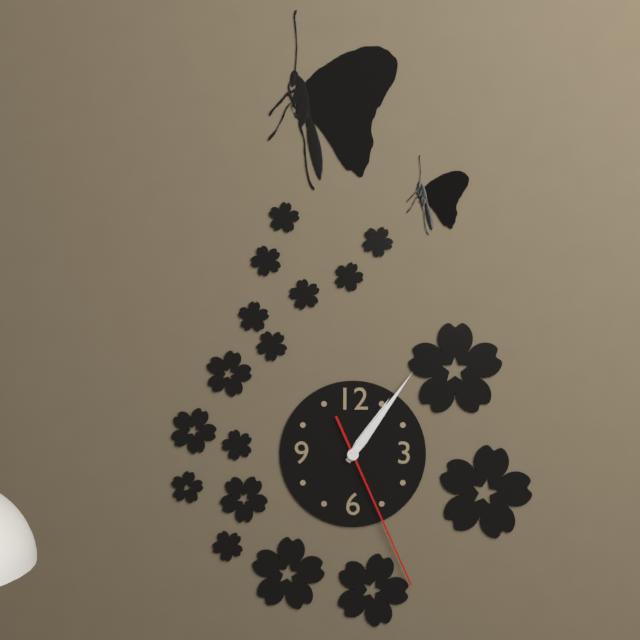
1:06:26
